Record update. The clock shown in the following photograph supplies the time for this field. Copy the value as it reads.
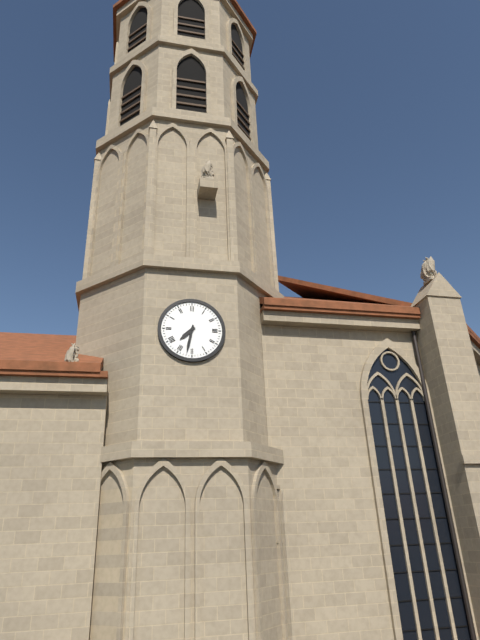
7:32
